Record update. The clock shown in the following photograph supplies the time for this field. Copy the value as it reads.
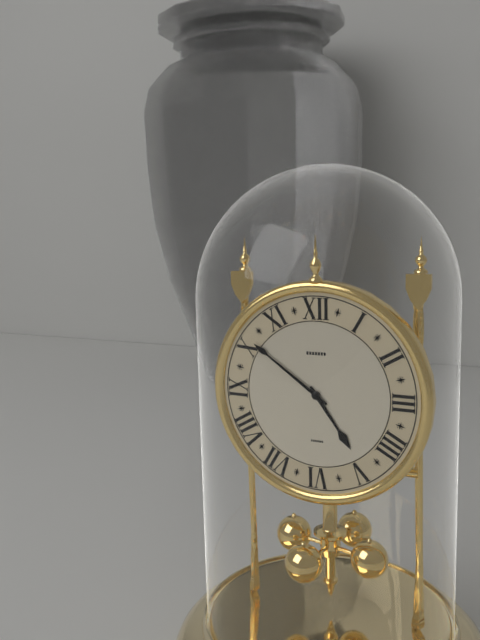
4:51
